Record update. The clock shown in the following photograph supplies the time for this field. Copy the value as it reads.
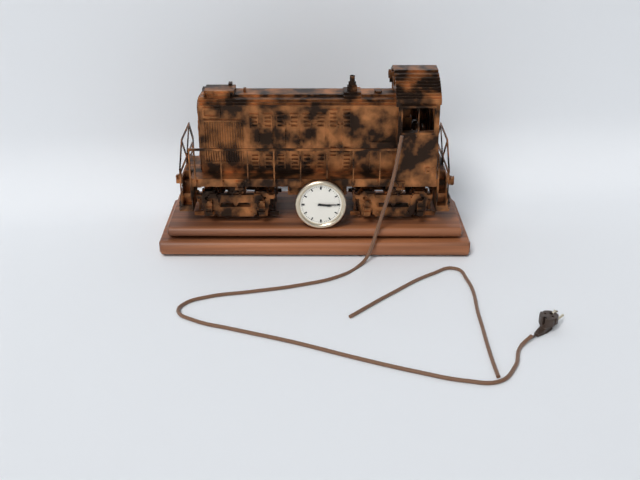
3:15
